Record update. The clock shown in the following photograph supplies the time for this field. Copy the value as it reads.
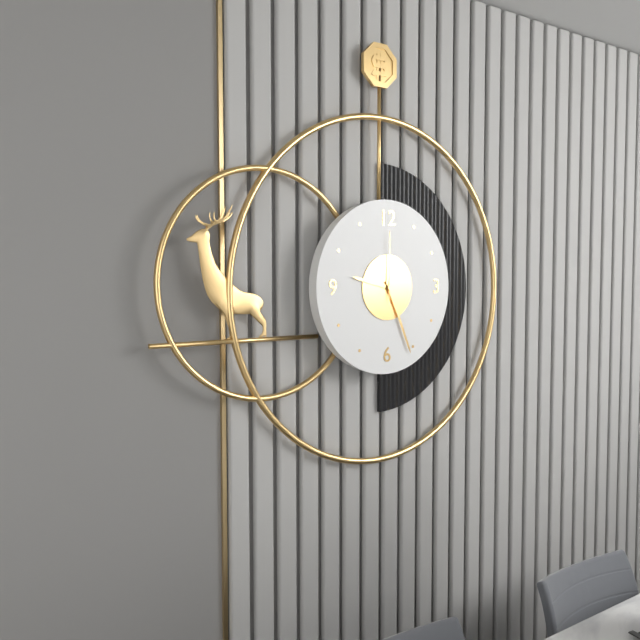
9:26:00
